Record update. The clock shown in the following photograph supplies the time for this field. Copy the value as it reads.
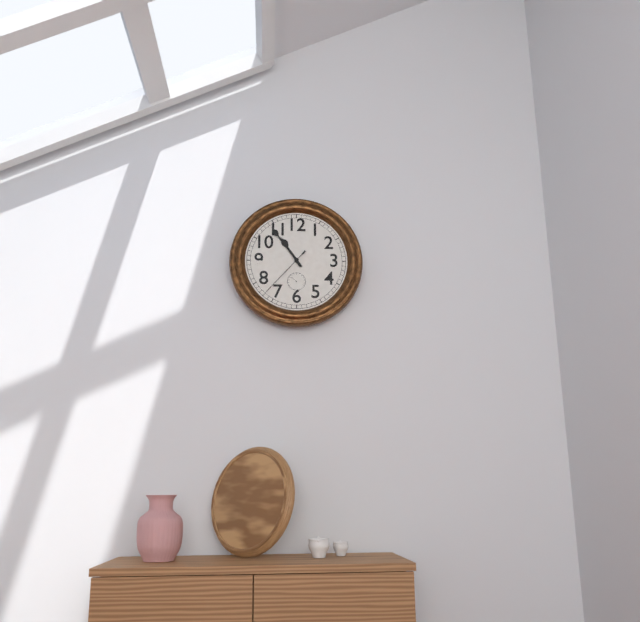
10:54:37
